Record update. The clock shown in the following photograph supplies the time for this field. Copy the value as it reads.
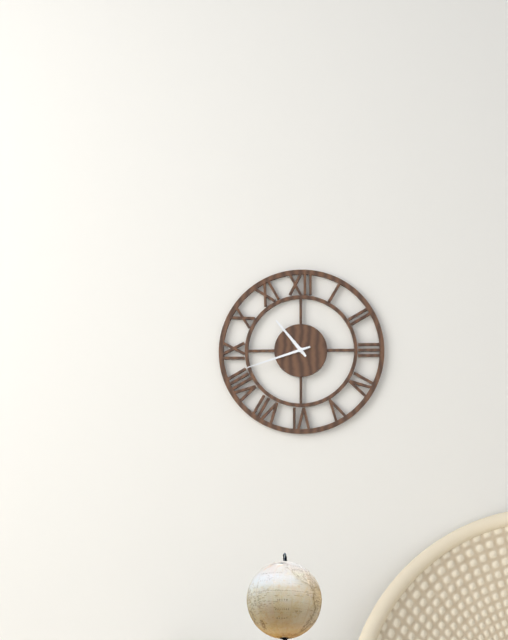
10:42
